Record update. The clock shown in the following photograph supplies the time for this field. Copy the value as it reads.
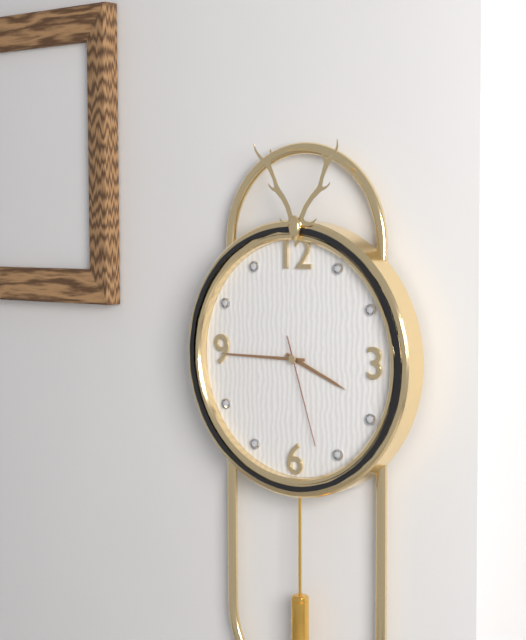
3:45:27
